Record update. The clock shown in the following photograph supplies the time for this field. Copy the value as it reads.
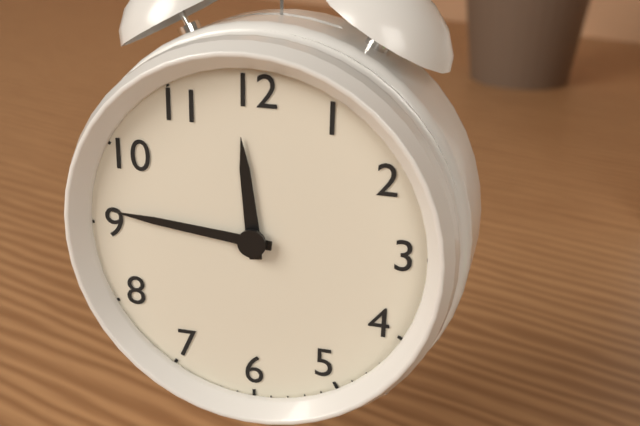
11:46
